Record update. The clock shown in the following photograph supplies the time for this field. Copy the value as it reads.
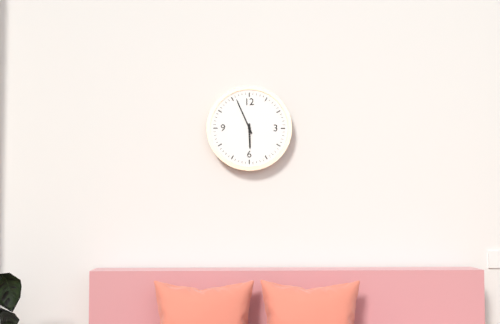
5:56
